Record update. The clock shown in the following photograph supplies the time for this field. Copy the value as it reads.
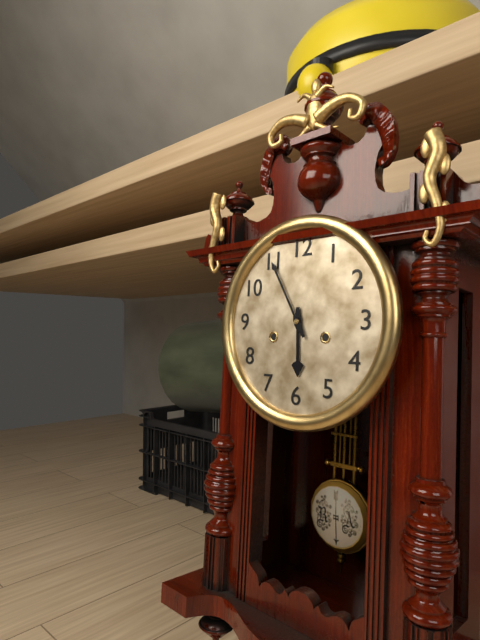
5:55
